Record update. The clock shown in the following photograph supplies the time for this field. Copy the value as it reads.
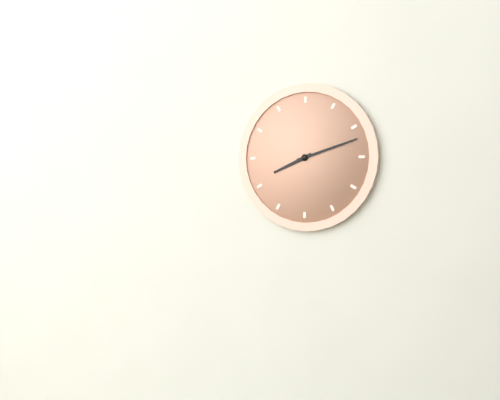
8:12
